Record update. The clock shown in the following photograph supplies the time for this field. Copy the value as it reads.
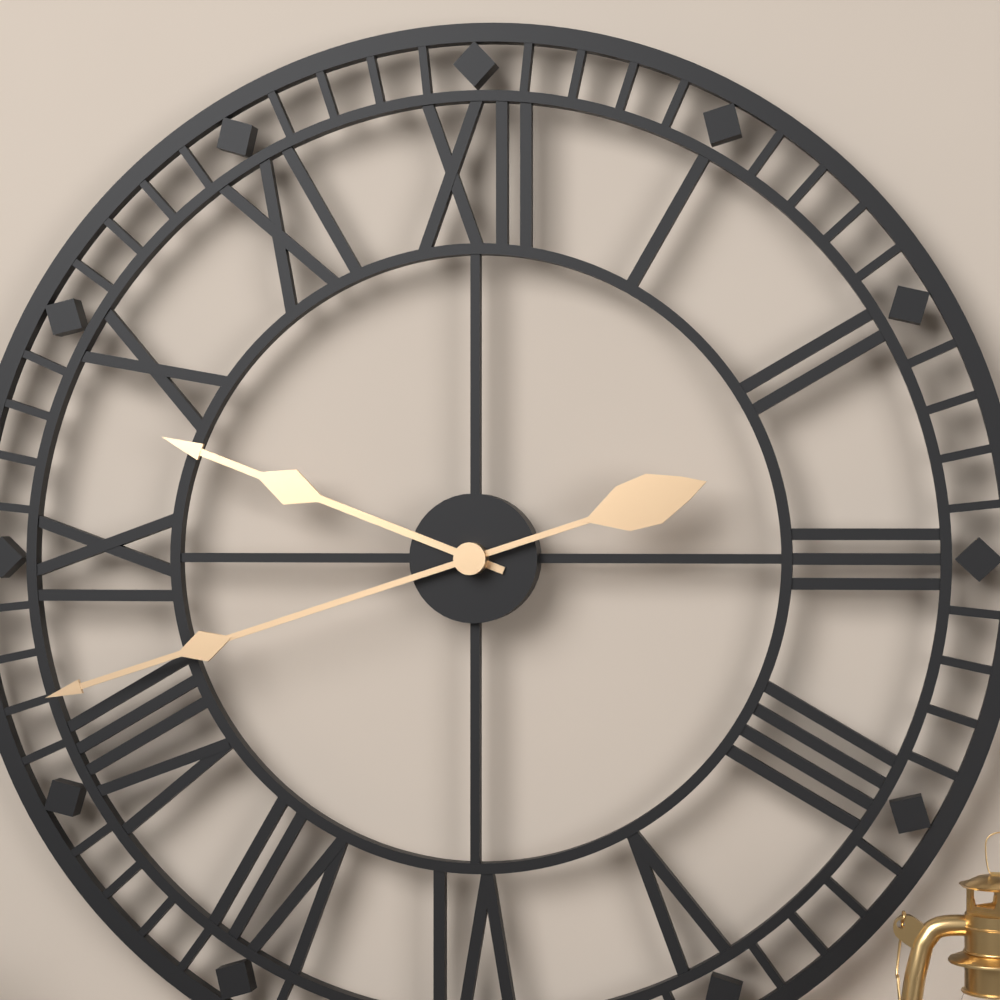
9:42
